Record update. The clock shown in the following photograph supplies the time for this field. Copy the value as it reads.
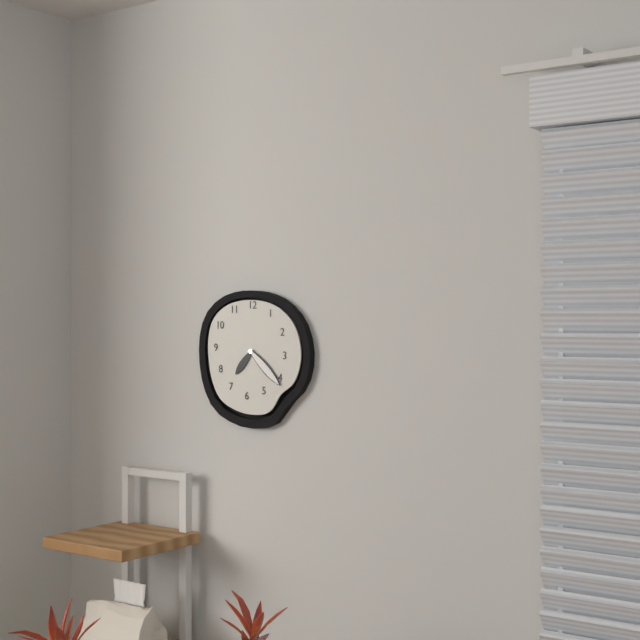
7:22
